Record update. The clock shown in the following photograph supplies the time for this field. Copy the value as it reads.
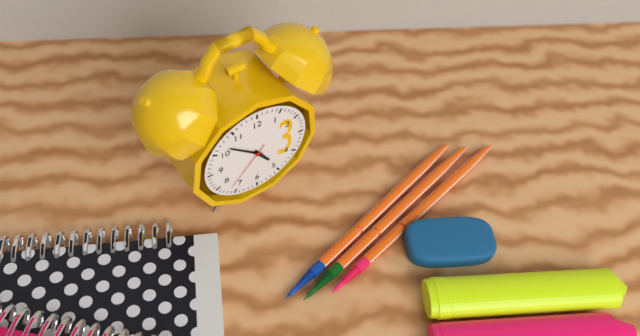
4:52:37
